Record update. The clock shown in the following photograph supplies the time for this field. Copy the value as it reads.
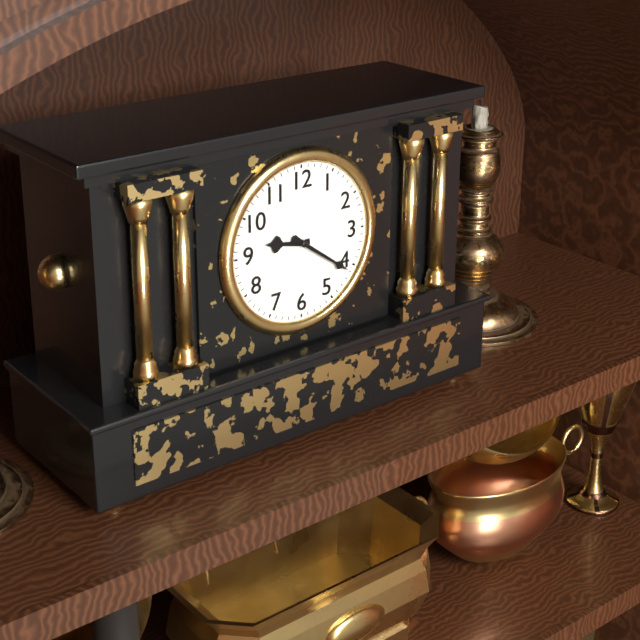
9:21
